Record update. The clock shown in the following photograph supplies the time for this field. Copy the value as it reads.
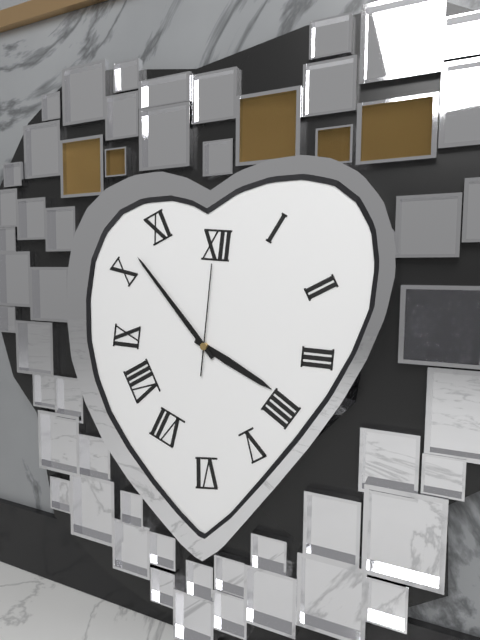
3:53:01
